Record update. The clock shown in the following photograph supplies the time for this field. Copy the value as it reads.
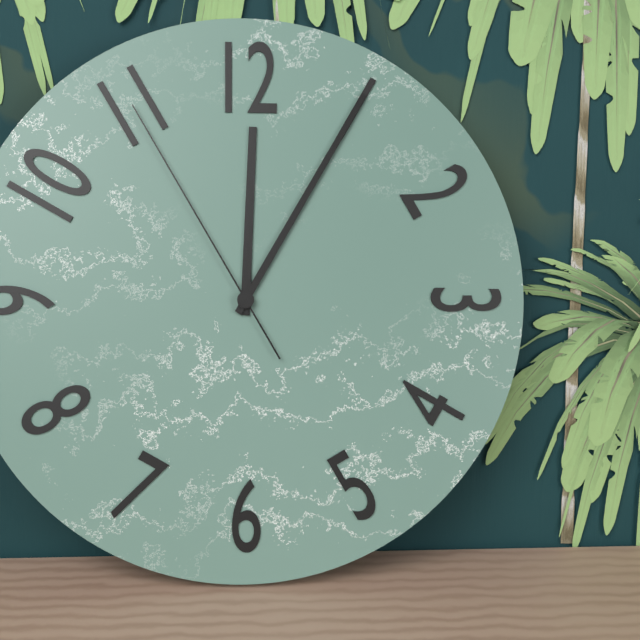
12:05:55
